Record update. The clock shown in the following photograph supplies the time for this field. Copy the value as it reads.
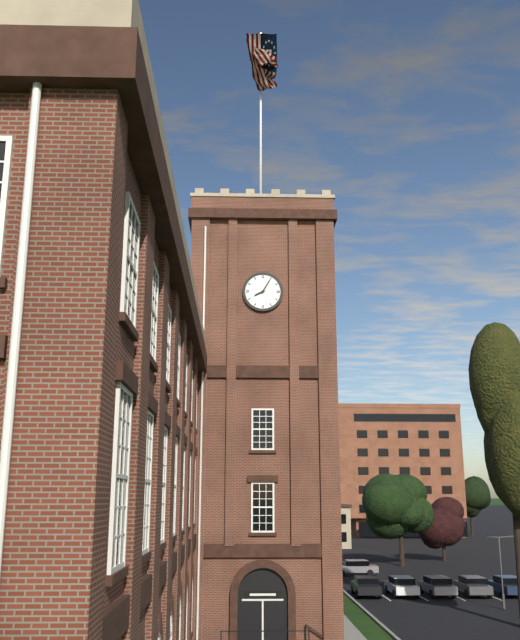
8:05
